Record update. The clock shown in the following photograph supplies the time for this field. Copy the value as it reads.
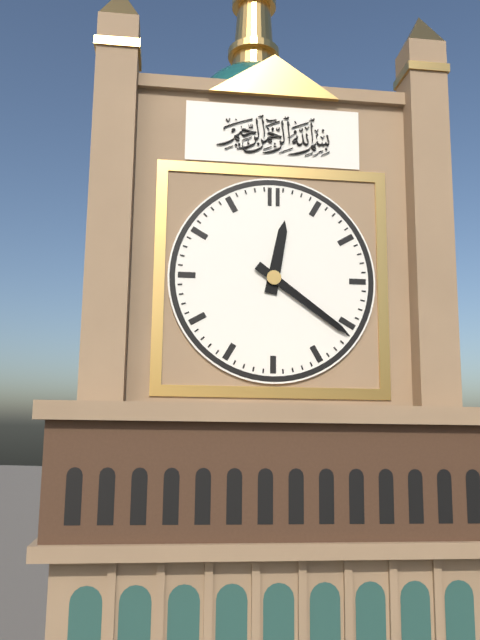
12:21
